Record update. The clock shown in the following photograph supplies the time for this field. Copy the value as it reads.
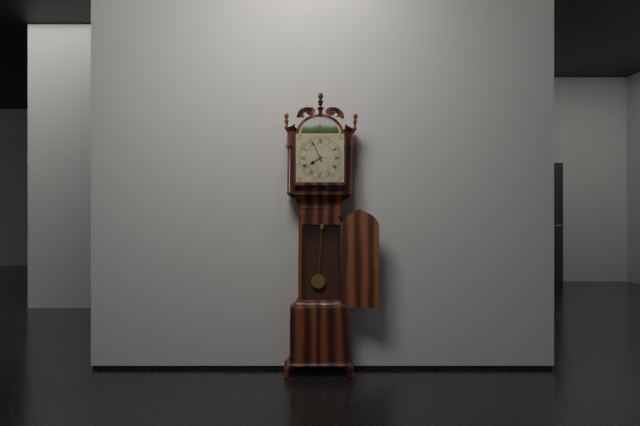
7:56
